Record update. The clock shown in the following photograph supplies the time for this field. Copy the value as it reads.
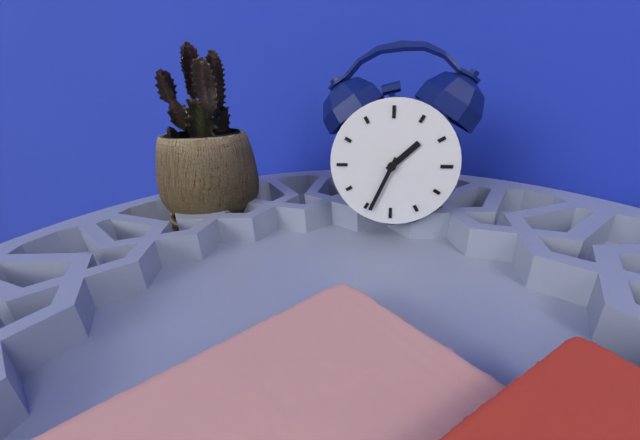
1:34
